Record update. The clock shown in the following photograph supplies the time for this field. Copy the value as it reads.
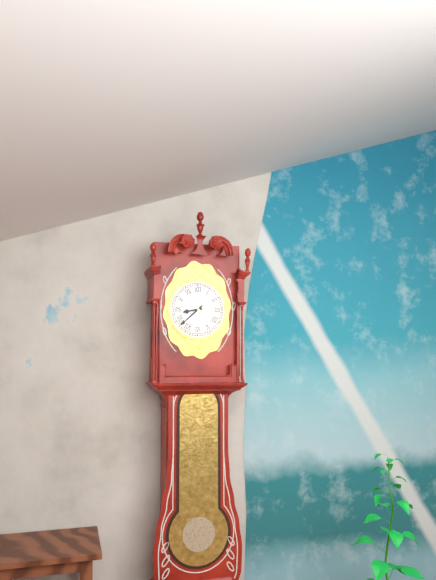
8:38
